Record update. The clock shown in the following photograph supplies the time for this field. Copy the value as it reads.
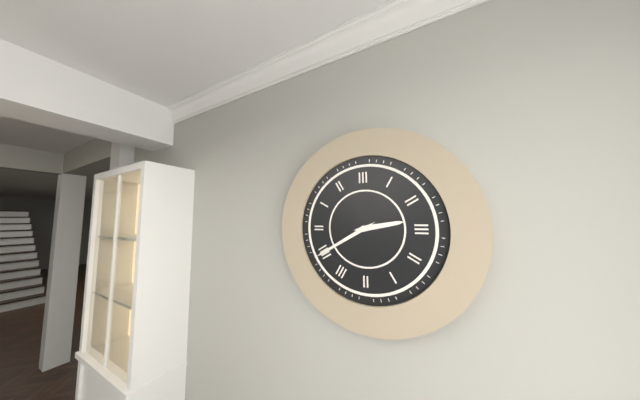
2:40
